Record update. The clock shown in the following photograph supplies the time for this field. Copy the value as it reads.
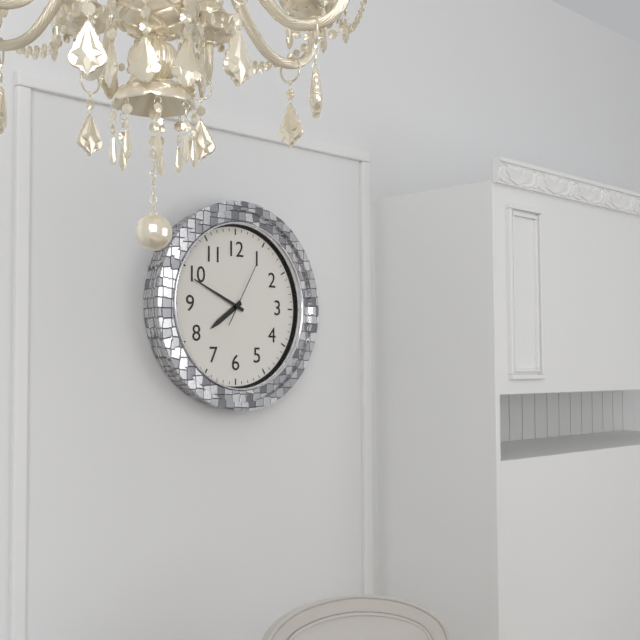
7:49:05
